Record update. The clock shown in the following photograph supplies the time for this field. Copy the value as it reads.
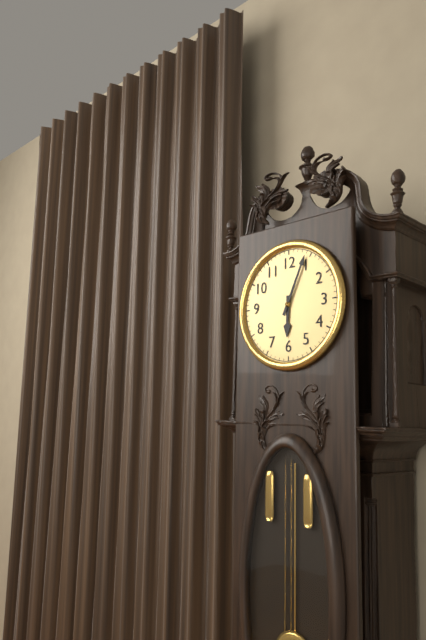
6:04
